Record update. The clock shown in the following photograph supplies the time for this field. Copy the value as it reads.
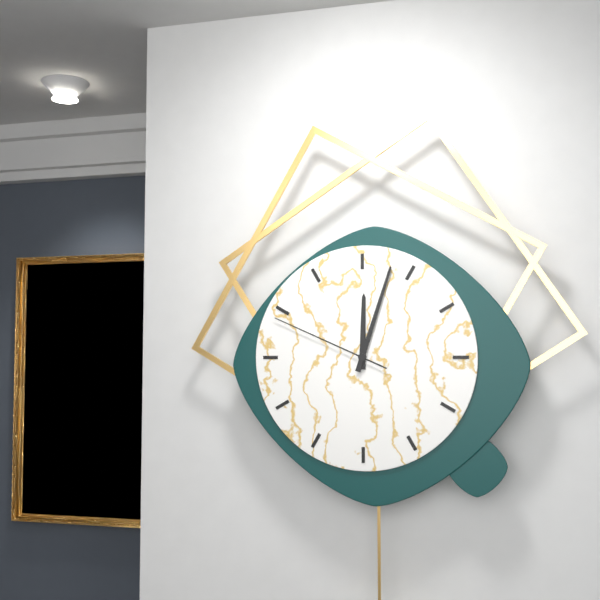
12:03:49
